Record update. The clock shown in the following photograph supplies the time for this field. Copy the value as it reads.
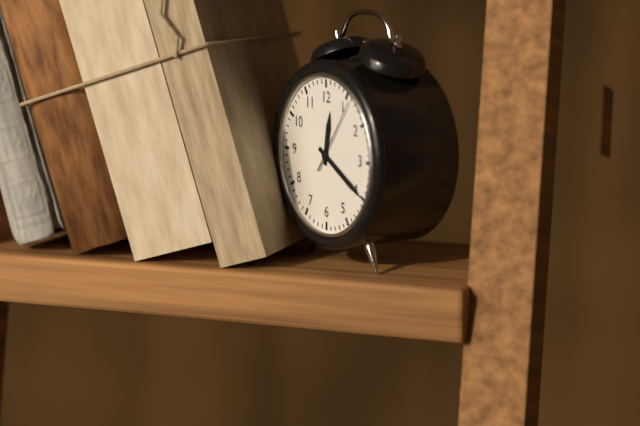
12:20:06
